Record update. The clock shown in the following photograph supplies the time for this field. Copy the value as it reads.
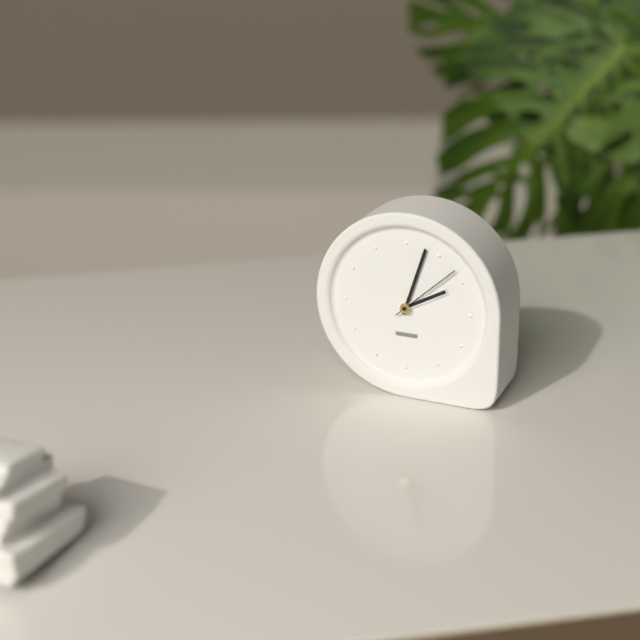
2:03:08
